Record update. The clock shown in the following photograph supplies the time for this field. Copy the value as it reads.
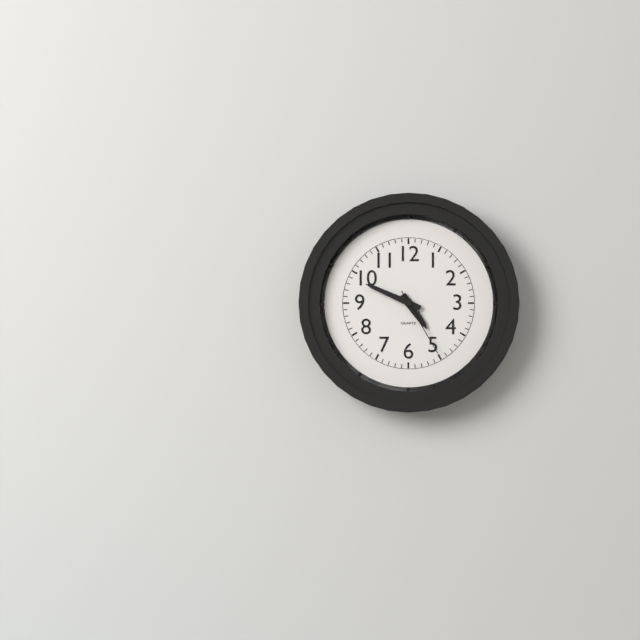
4:49:25
